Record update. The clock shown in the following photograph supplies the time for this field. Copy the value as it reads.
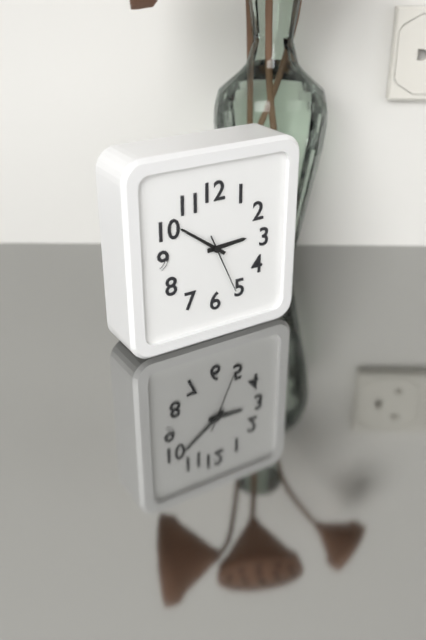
2:51:26
